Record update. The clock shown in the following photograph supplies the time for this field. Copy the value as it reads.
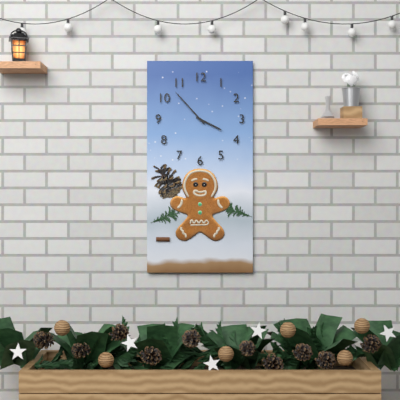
3:53
